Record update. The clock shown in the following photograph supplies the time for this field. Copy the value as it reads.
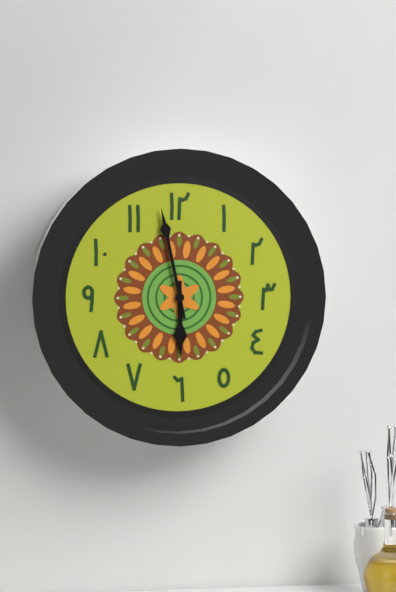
5:58
